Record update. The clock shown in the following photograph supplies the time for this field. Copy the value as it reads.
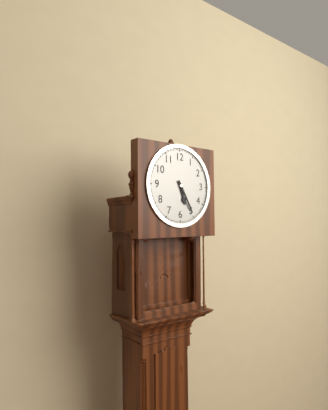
5:25
